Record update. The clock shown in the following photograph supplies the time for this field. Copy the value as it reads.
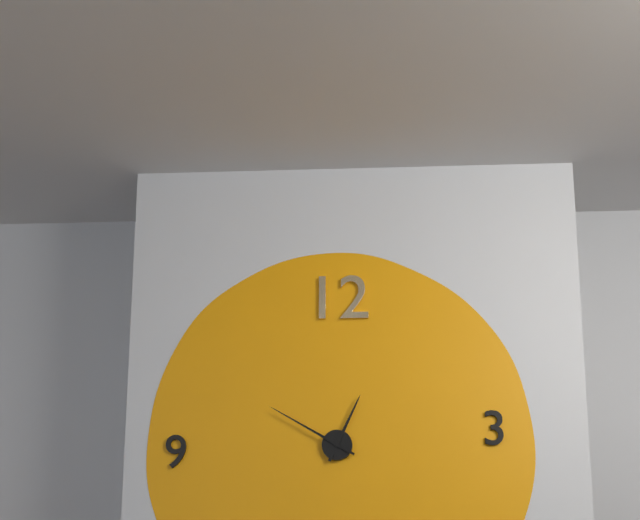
12:50
